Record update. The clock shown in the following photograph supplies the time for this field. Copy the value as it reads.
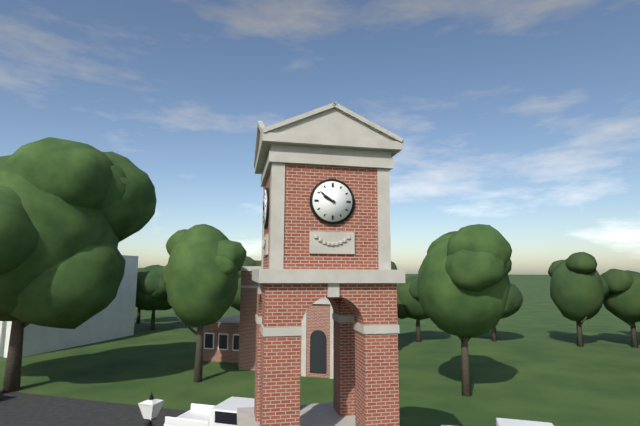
9:51
